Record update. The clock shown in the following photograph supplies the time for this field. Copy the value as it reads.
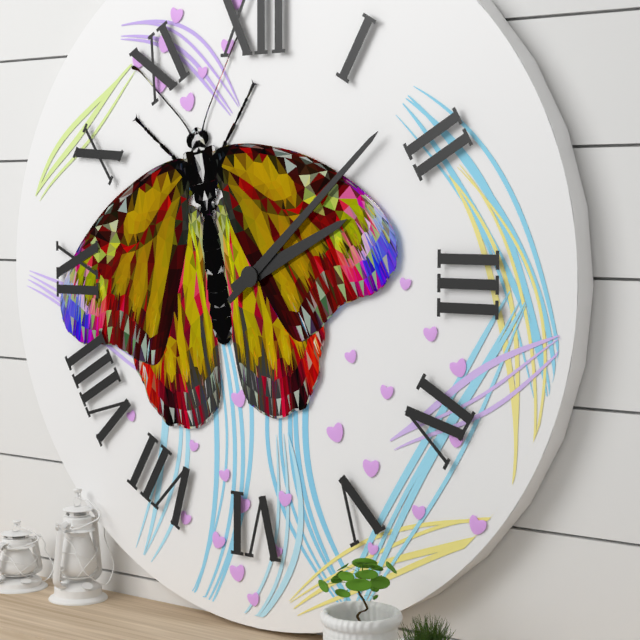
2:08
